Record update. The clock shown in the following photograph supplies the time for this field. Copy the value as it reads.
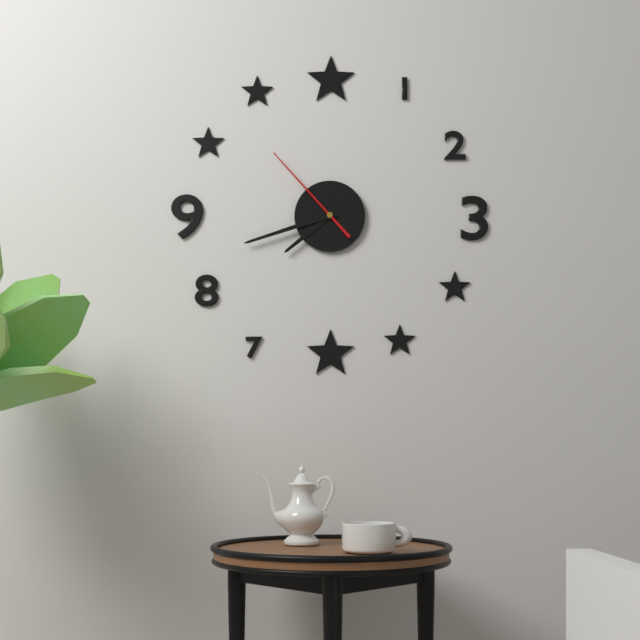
7:42:53
